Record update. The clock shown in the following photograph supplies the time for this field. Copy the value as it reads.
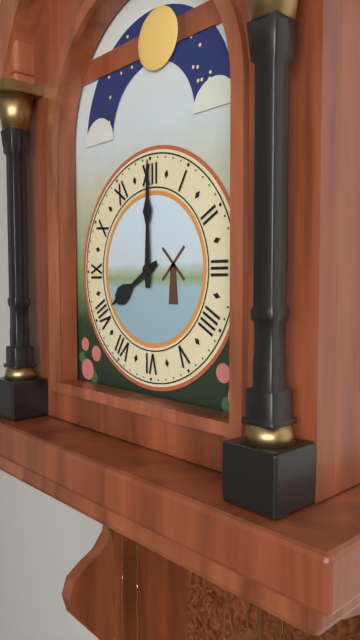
8:00
